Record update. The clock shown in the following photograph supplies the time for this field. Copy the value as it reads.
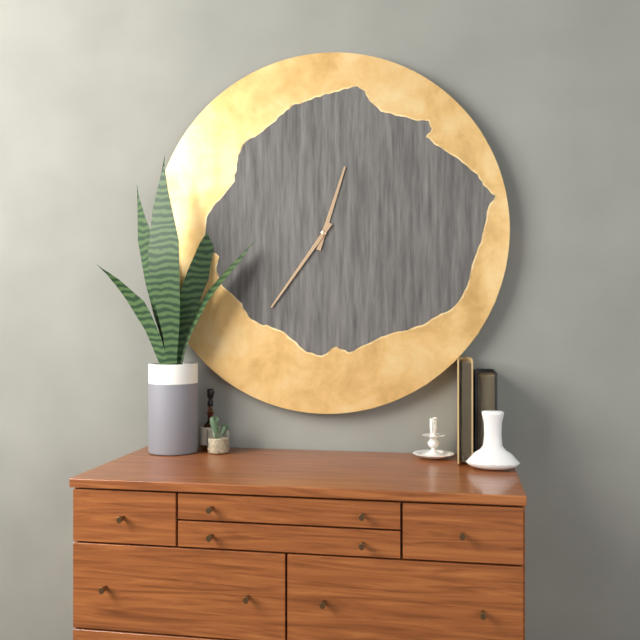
12:36
